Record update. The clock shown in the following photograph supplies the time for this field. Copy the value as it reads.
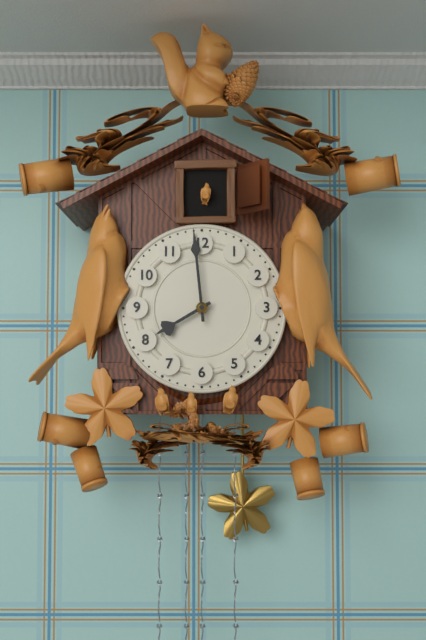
7:59
